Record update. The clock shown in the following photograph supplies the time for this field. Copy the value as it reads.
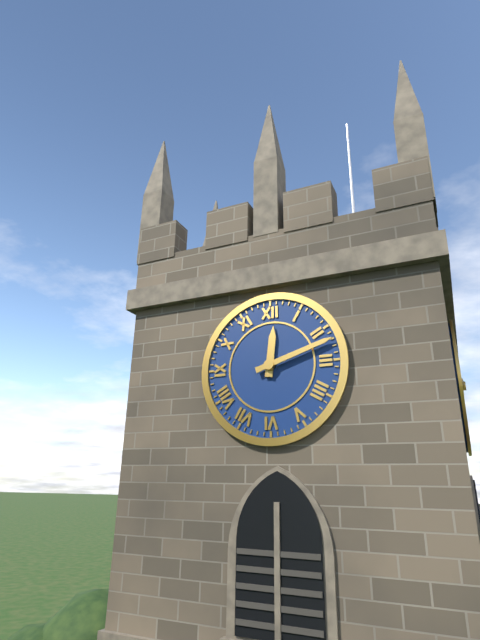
12:12
